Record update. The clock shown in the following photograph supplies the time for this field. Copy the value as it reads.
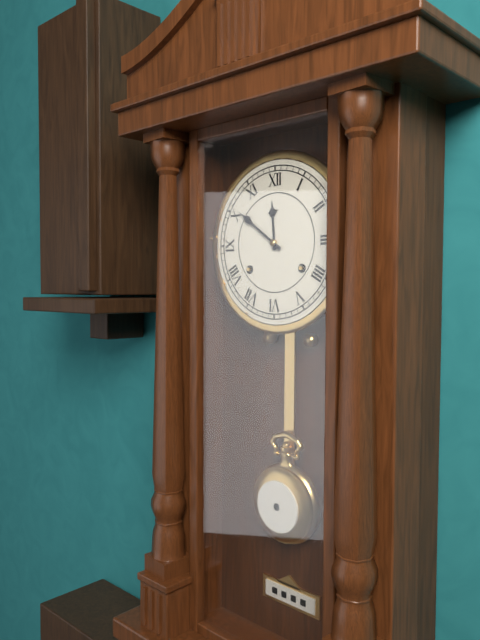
11:51
